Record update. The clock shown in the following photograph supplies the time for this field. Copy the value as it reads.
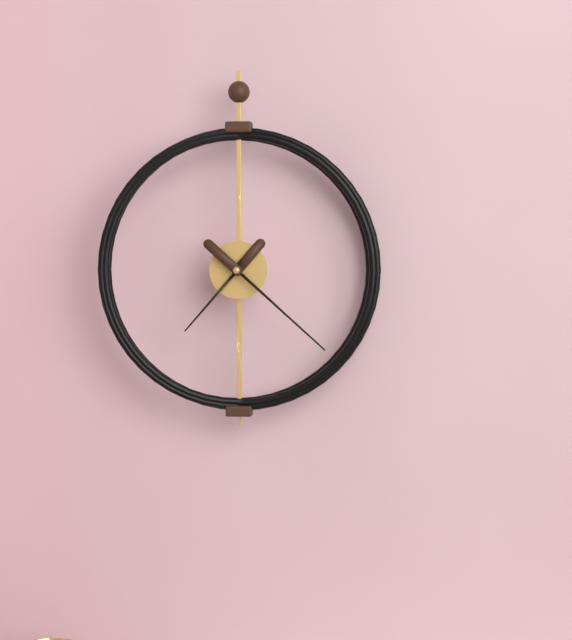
7:22
